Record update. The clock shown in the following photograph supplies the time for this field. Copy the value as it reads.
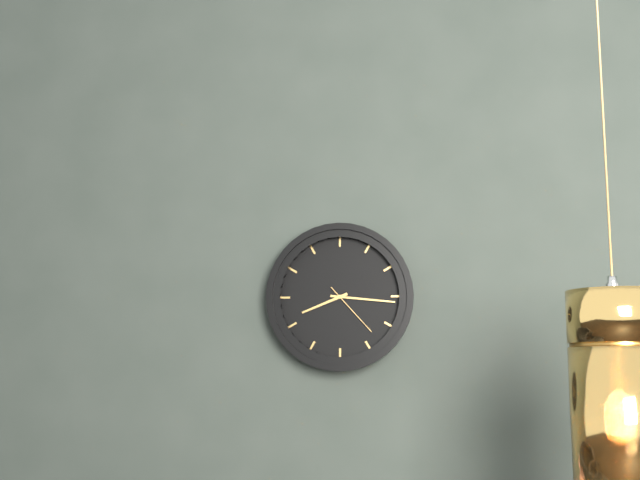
8:16:23
